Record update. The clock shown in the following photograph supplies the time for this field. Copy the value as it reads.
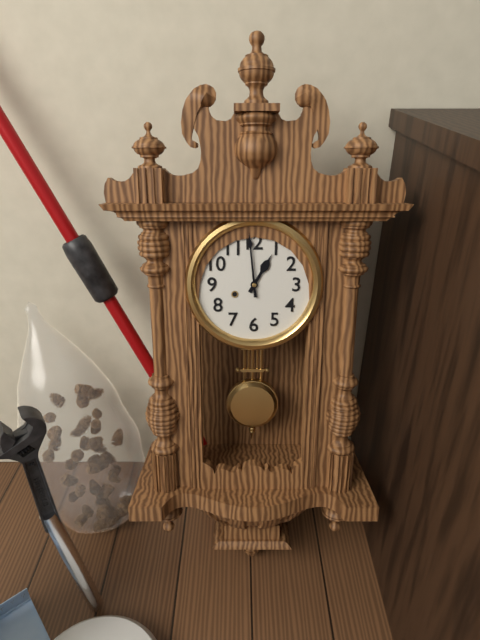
12:59
